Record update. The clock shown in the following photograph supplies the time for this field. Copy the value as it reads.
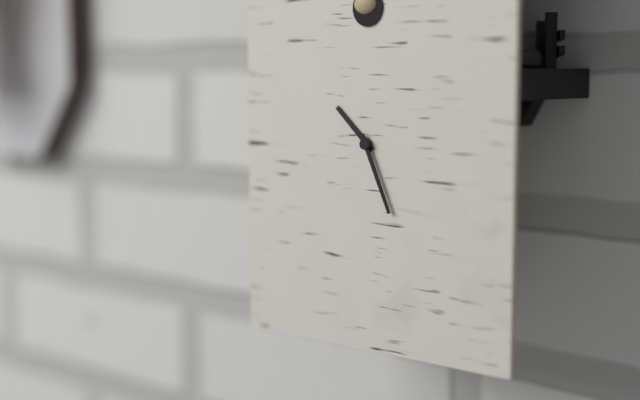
10:26
